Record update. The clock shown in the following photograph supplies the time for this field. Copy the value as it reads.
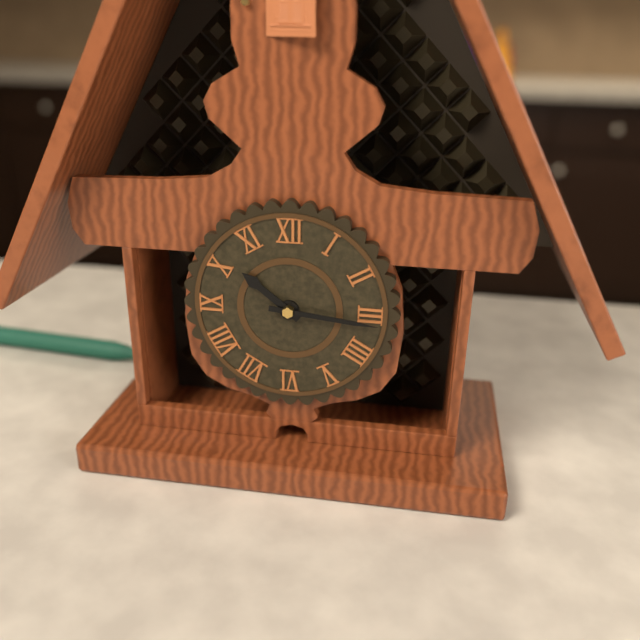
10:16
